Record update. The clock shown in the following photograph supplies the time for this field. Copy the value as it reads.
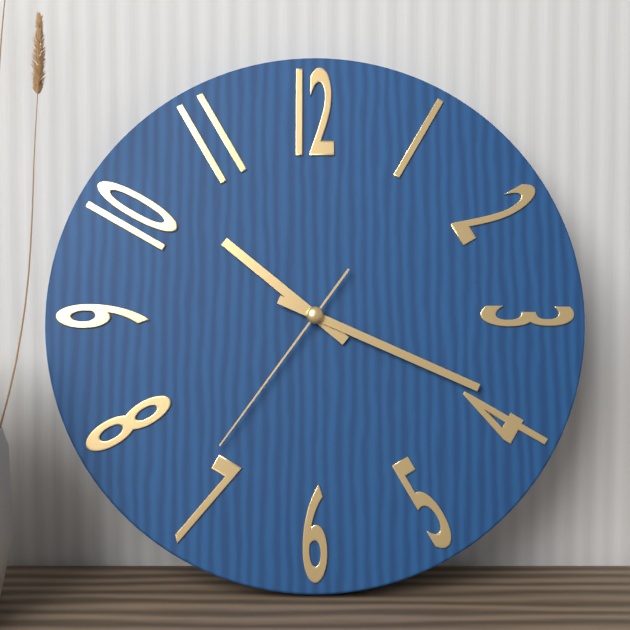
10:19:36
